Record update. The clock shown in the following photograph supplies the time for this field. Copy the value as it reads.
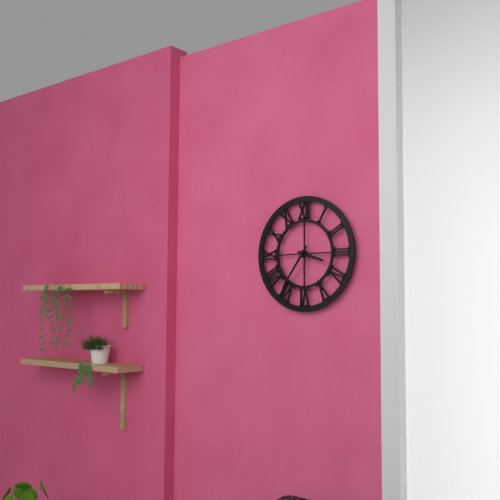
3:36
